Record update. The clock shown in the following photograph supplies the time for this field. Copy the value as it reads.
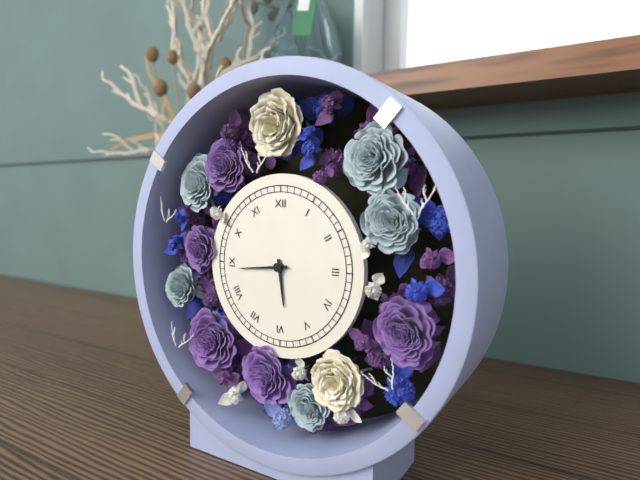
5:44
